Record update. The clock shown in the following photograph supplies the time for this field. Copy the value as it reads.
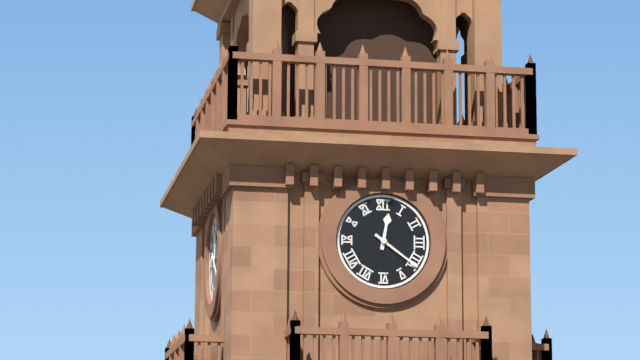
12:21
